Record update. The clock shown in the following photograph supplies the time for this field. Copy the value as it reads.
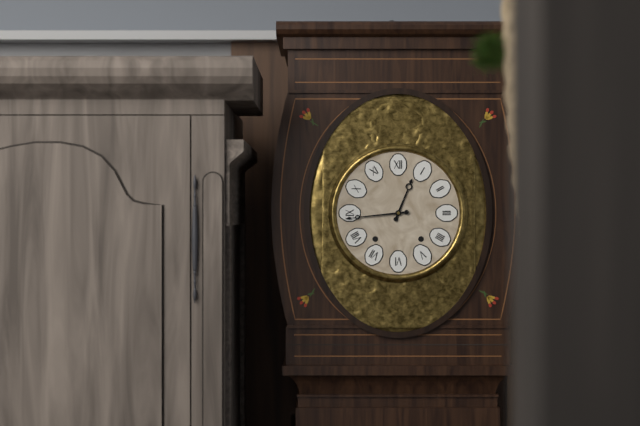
12:44
